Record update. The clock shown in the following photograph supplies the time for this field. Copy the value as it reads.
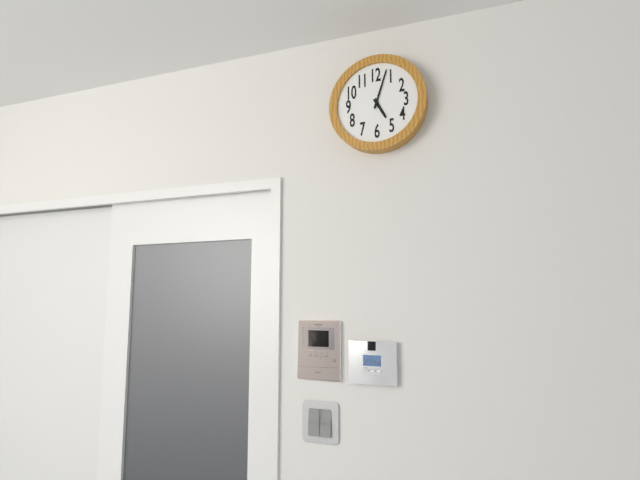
5:03
